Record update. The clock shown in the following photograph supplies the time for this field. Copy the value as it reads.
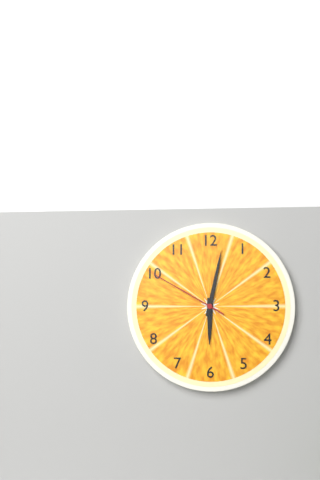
6:02:50
